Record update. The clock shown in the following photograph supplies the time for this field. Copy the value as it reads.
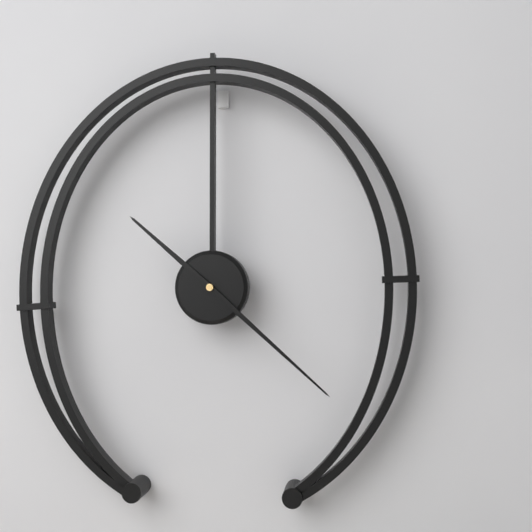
10:22
